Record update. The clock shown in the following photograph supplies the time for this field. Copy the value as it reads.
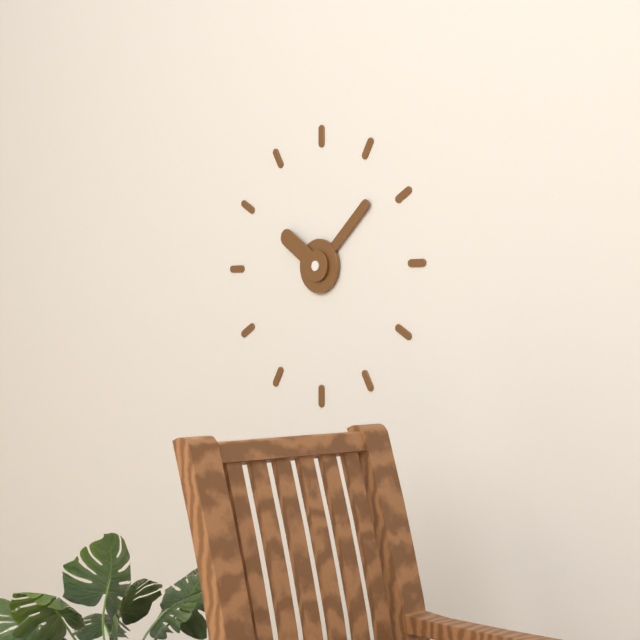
10:08
